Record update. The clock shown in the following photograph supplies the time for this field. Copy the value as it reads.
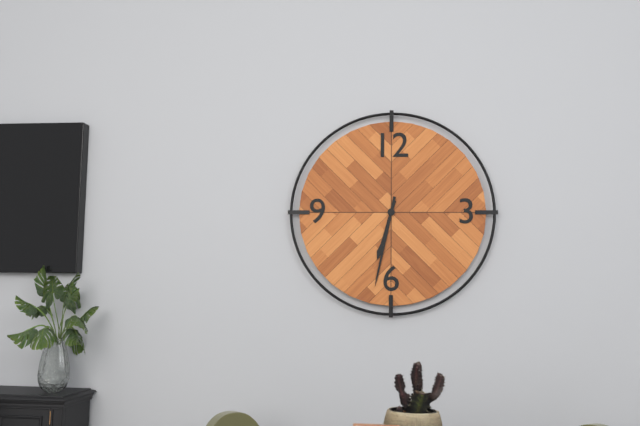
6:32
